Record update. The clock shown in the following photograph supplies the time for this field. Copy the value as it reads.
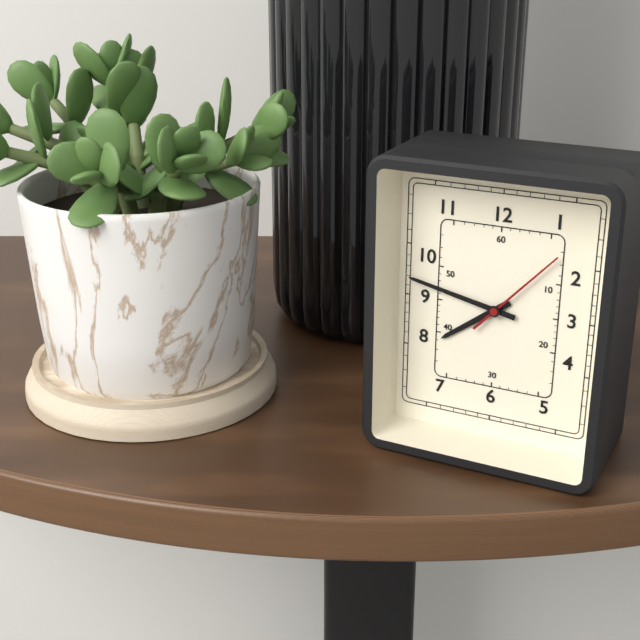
7:47:07
